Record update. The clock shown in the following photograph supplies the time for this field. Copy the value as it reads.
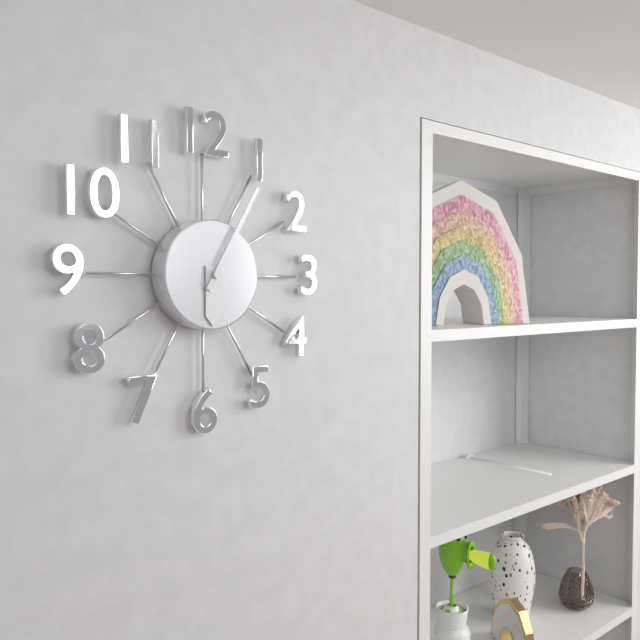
6:05
